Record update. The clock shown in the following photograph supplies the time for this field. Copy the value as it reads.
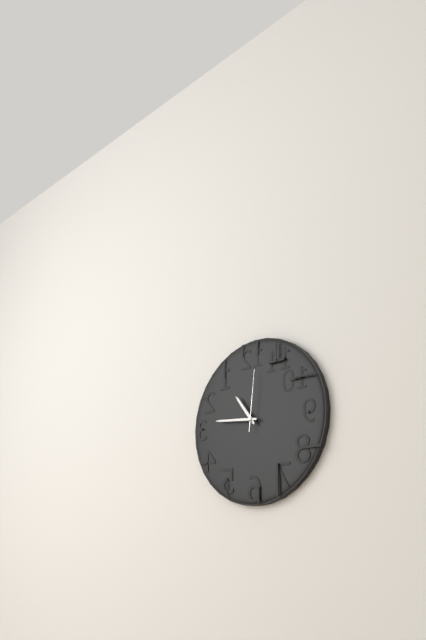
10:46:01
